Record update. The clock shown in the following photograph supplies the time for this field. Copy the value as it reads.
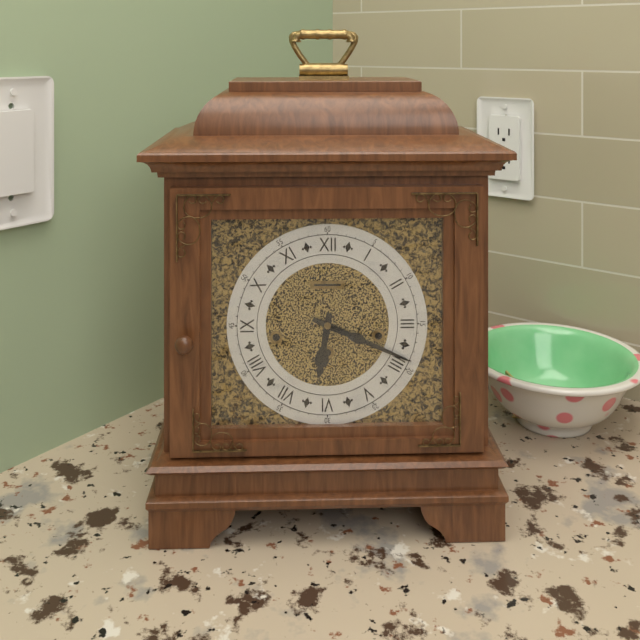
6:19
